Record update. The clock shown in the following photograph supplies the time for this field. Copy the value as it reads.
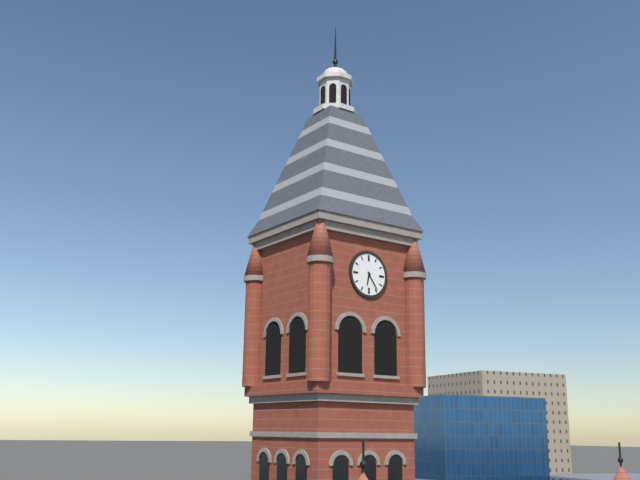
6:24
